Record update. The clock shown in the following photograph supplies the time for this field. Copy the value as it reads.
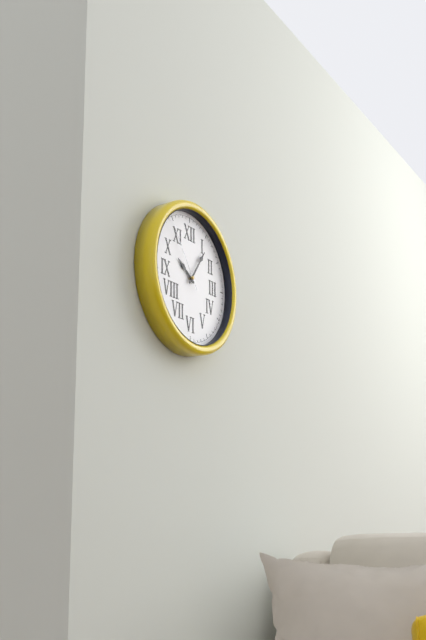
10:06:54
